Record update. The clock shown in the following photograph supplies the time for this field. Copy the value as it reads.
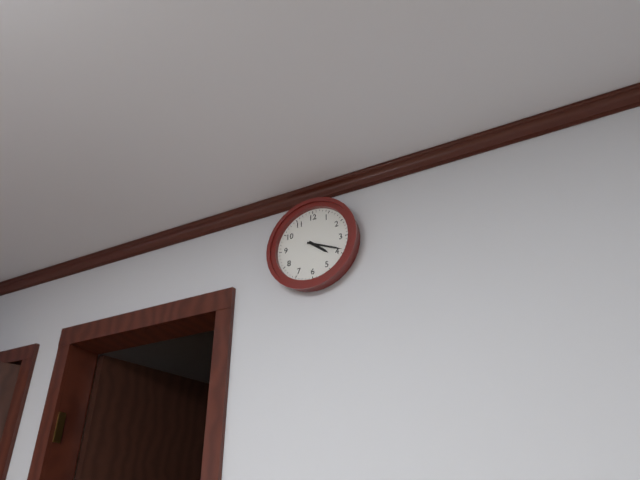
4:19
